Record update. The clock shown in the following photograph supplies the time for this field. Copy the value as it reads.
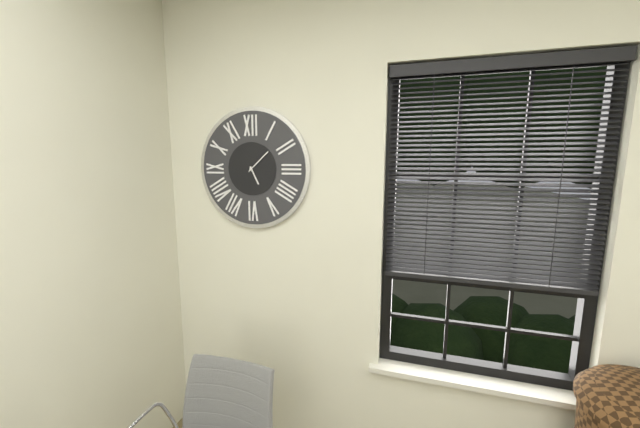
5:08
